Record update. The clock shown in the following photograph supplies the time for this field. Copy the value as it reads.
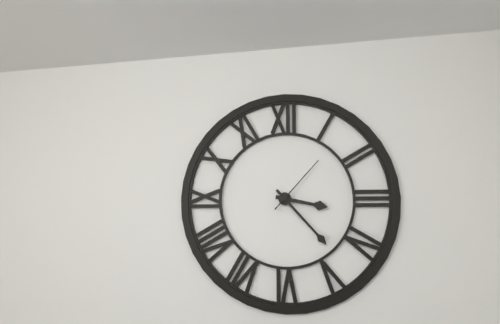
3:23:07
